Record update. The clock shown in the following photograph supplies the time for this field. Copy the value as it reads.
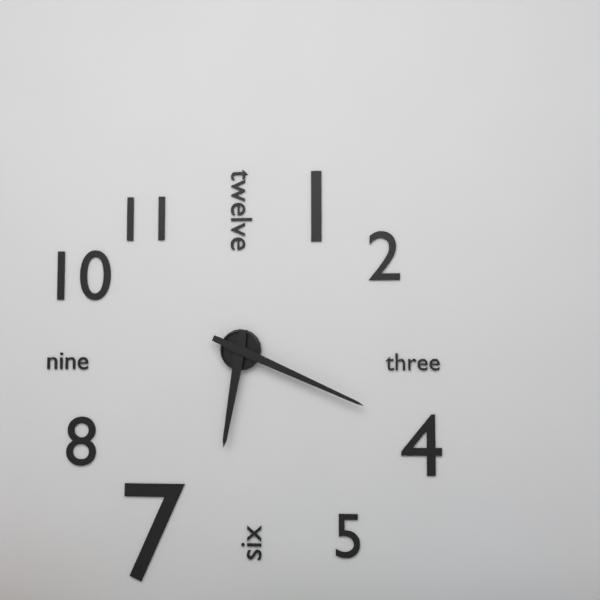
6:19
